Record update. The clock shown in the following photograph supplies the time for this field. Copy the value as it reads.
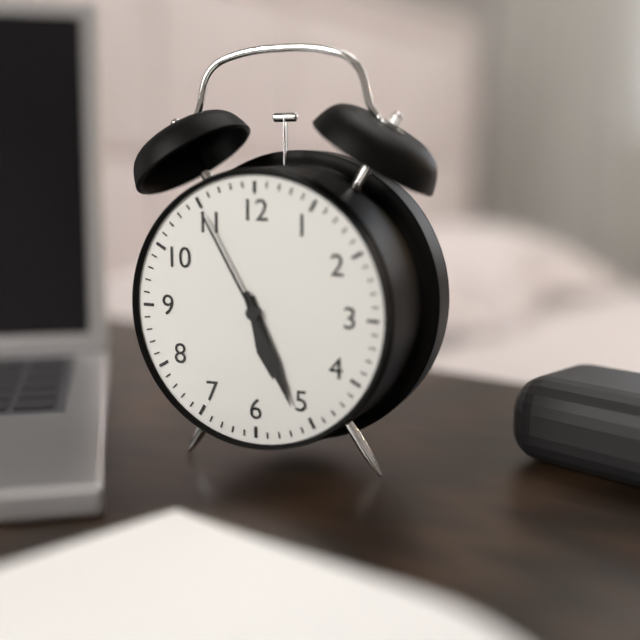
5:26:55
